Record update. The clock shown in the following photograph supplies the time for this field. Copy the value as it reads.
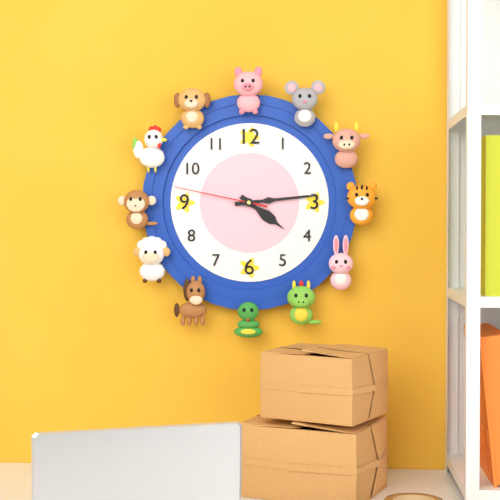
4:14:47
